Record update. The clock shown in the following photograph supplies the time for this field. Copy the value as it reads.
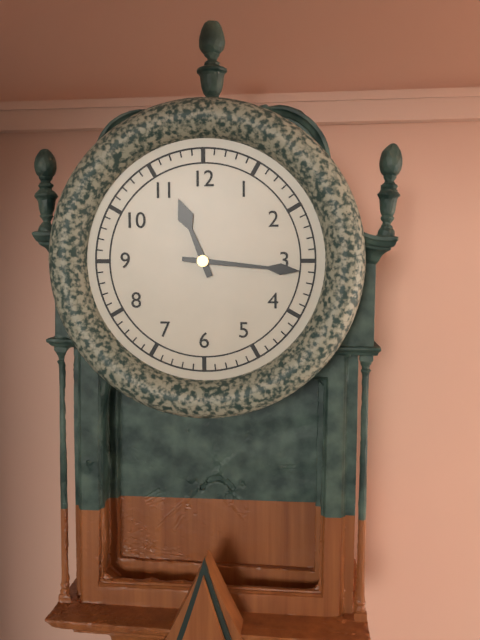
11:16
